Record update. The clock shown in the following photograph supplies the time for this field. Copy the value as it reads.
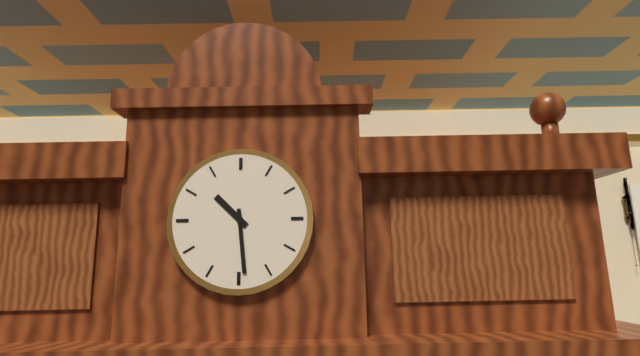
10:29
